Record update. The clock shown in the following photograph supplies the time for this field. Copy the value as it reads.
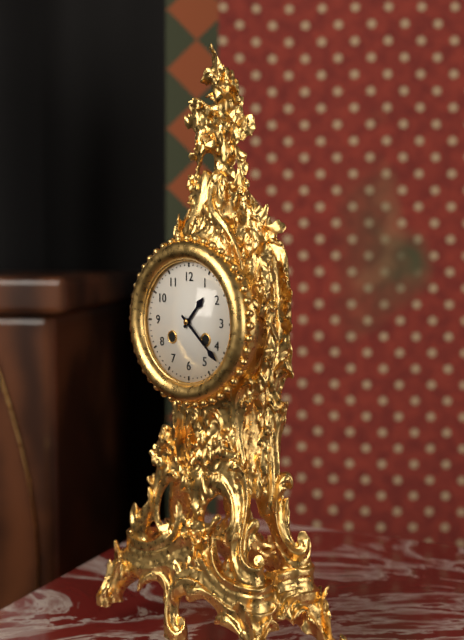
1:22
